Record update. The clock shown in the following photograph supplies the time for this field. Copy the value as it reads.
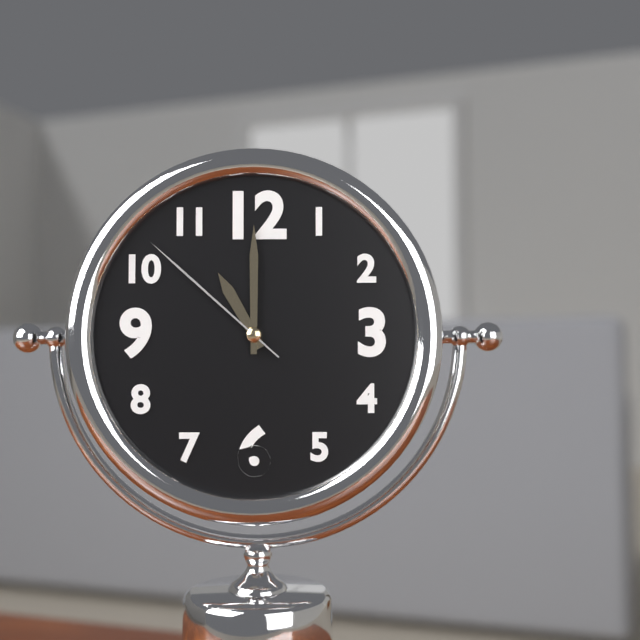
11:00:52
